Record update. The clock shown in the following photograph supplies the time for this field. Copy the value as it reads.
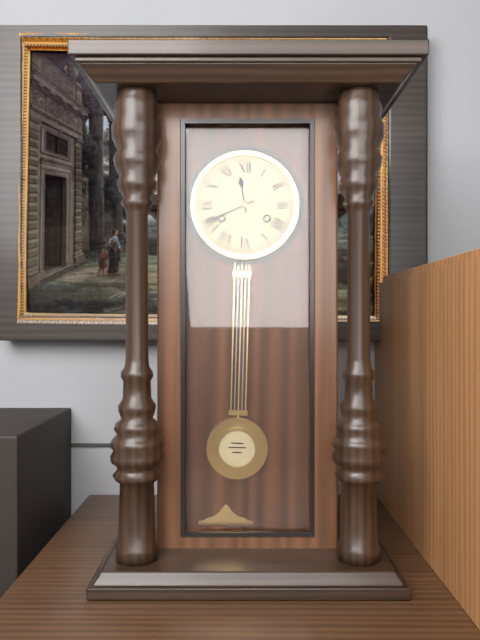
11:41
